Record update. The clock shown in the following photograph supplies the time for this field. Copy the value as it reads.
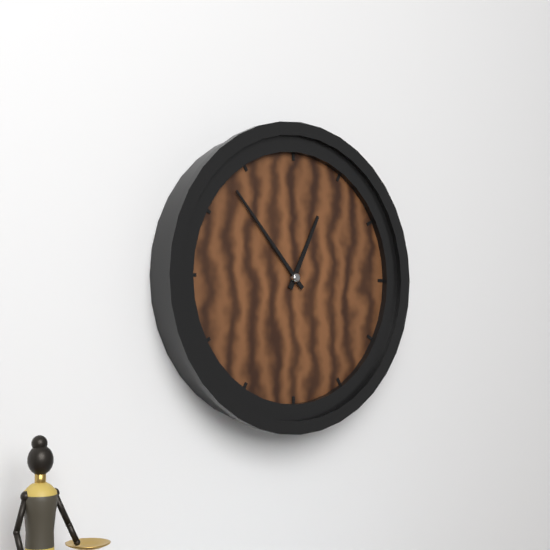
12:53
